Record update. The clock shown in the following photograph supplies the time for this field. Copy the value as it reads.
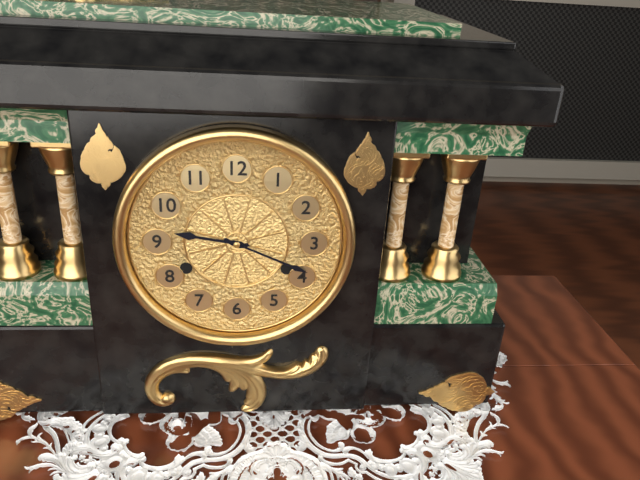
9:19
